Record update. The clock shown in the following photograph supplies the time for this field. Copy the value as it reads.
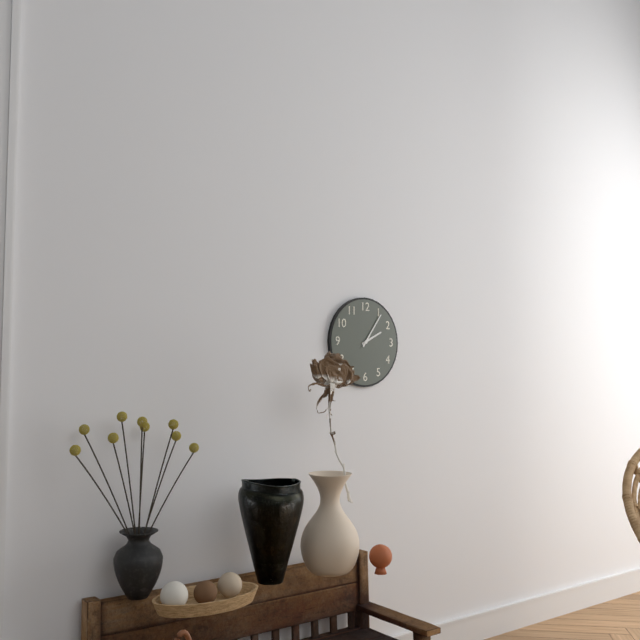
2:06
